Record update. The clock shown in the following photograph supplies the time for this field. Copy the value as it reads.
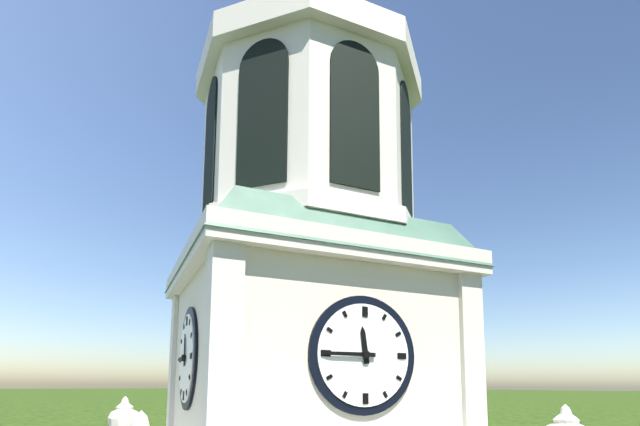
11:45
